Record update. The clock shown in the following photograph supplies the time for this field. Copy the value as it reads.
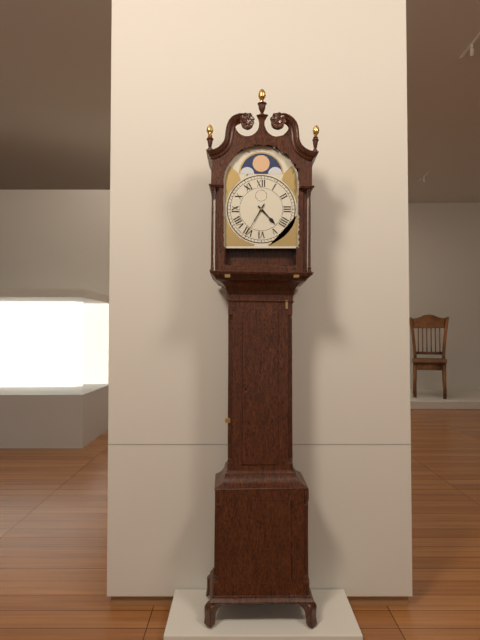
4:35
